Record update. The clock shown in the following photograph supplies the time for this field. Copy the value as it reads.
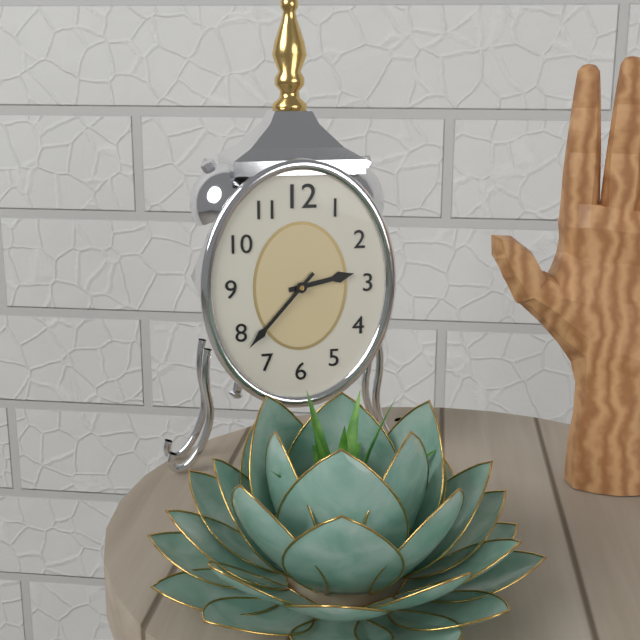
2:37
